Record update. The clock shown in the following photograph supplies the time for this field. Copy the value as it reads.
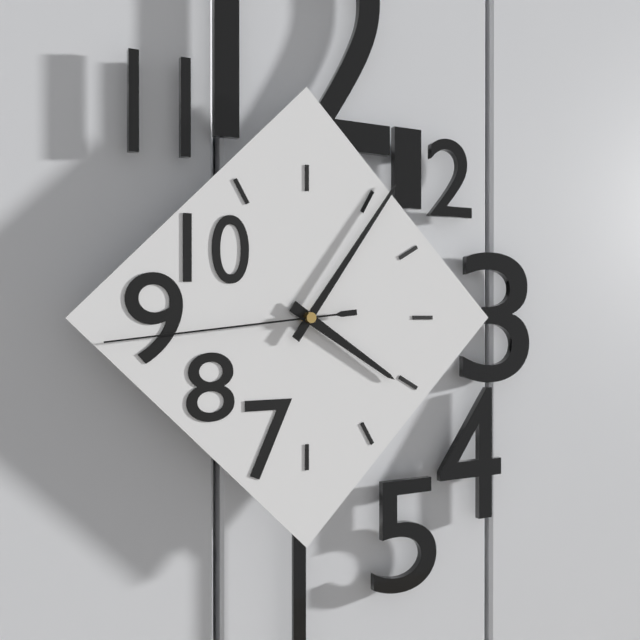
4:06:44
